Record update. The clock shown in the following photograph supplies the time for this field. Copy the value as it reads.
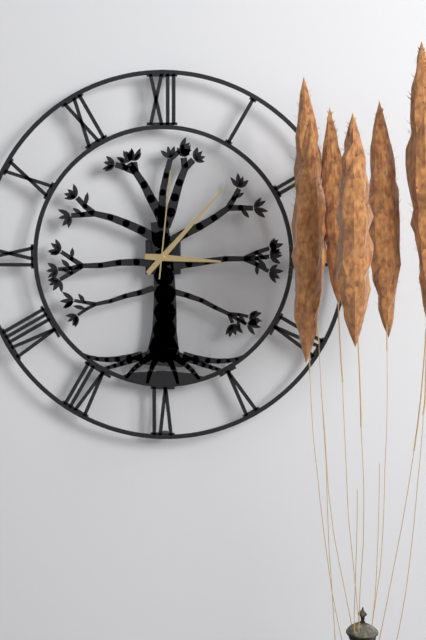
3:07:01
